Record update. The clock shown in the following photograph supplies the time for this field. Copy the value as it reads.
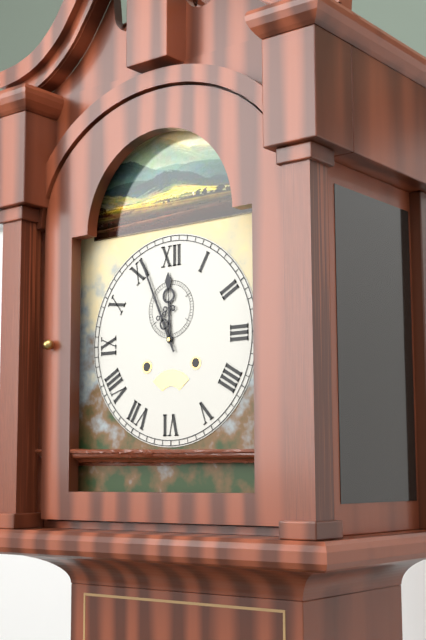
11:56
